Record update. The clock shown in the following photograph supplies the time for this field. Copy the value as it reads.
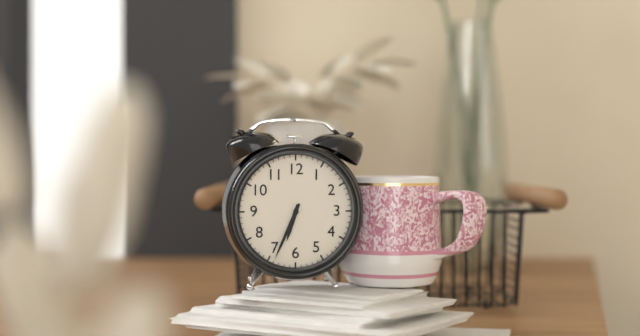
6:34
